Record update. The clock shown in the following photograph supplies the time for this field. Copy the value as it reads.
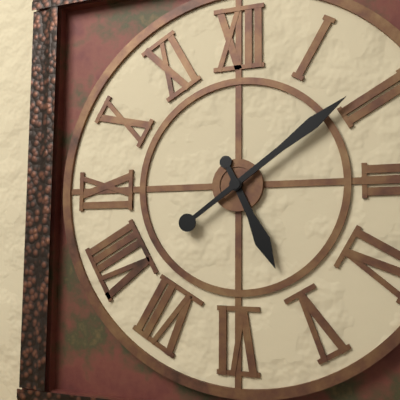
5:09
